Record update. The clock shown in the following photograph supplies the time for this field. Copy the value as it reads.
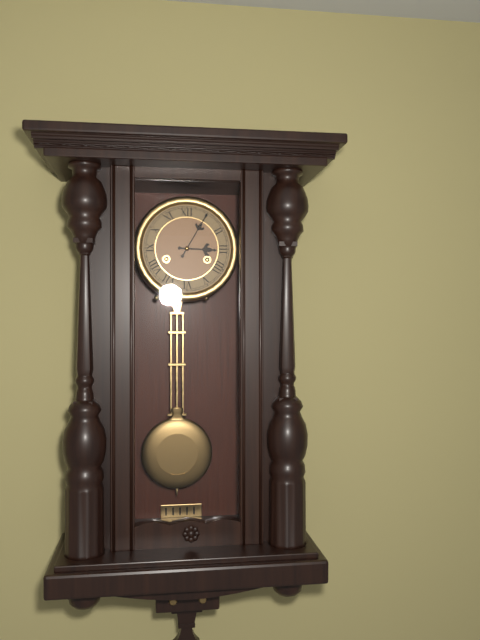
3:05
